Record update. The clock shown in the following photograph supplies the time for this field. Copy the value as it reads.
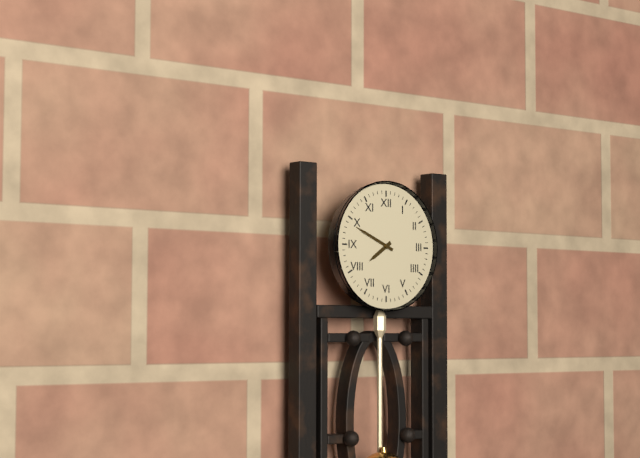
7:49
